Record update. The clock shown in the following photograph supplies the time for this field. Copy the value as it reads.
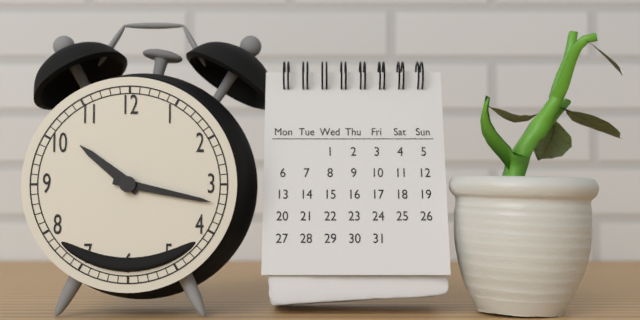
10:17
